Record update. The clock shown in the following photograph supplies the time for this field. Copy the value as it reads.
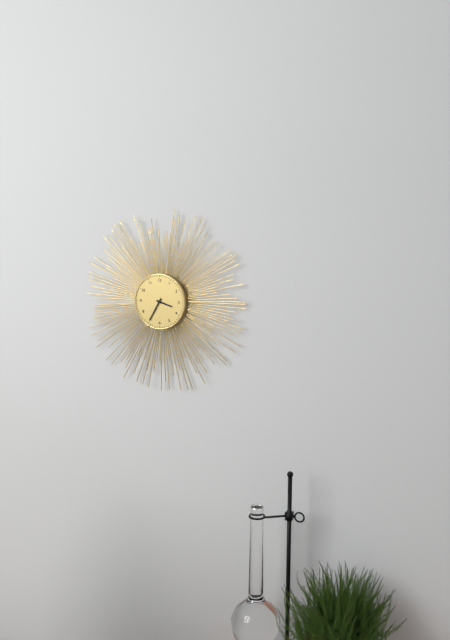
3:35
